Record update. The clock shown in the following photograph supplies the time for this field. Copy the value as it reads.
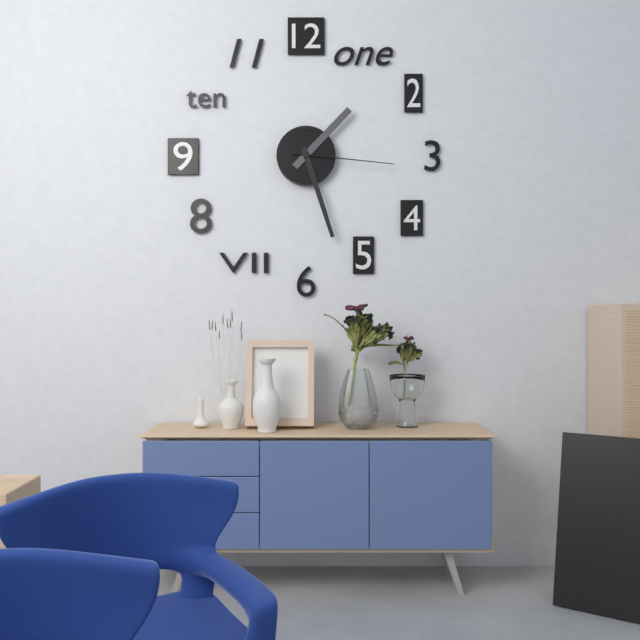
1:27:16
